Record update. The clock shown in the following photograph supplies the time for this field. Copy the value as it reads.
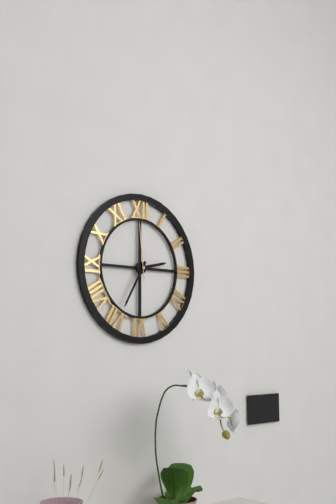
2:35:59
